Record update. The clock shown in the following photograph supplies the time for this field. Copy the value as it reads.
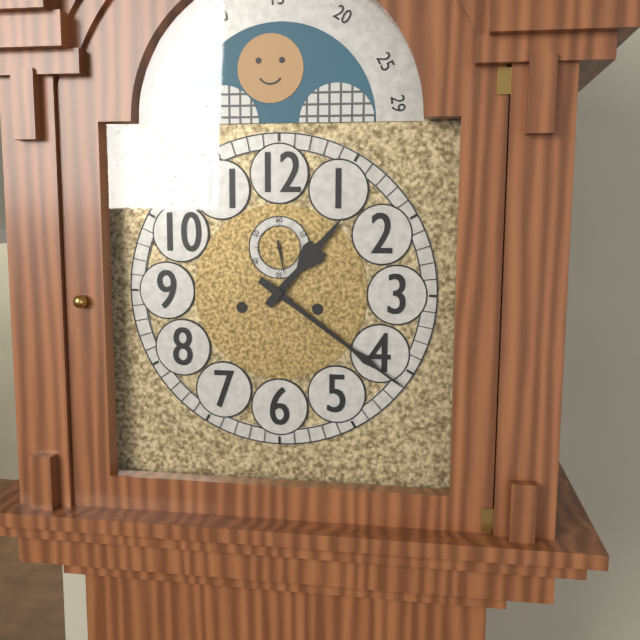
1:21
